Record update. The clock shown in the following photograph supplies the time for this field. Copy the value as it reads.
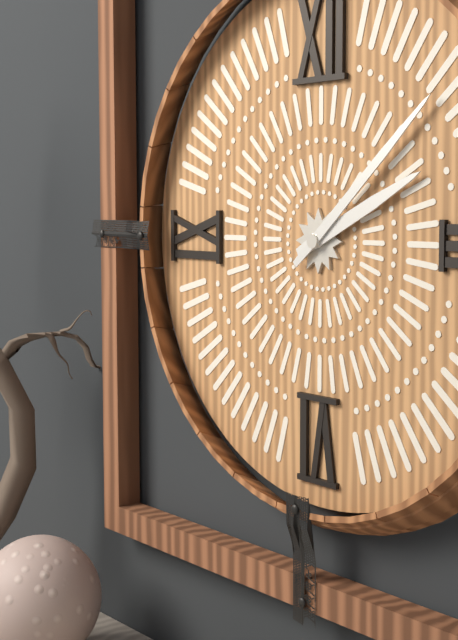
2:08
